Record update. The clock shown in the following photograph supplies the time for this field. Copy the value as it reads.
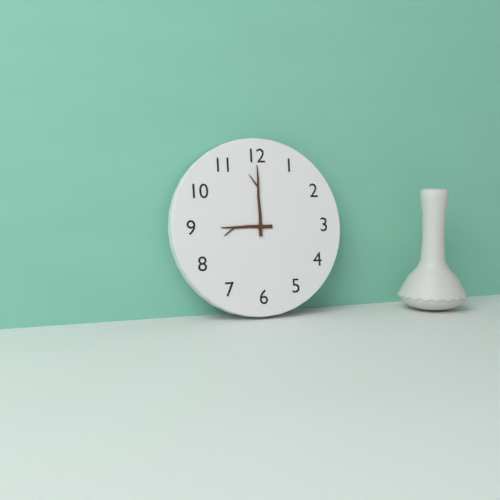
9:00
